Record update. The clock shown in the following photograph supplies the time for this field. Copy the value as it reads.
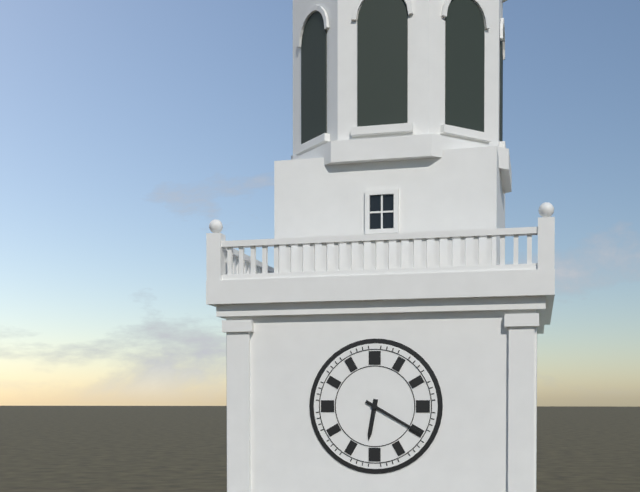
6:20
